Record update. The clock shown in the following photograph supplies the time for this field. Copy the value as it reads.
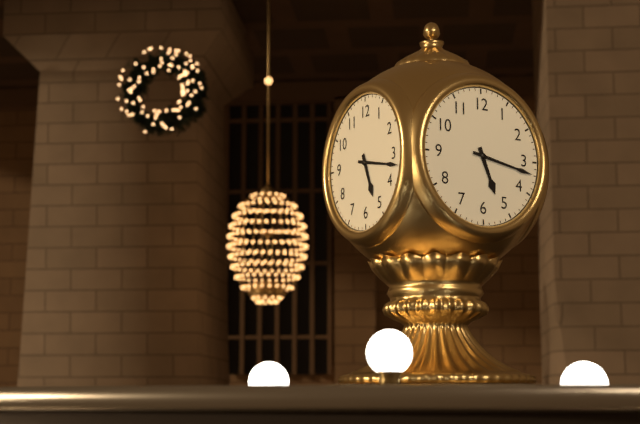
5:17
